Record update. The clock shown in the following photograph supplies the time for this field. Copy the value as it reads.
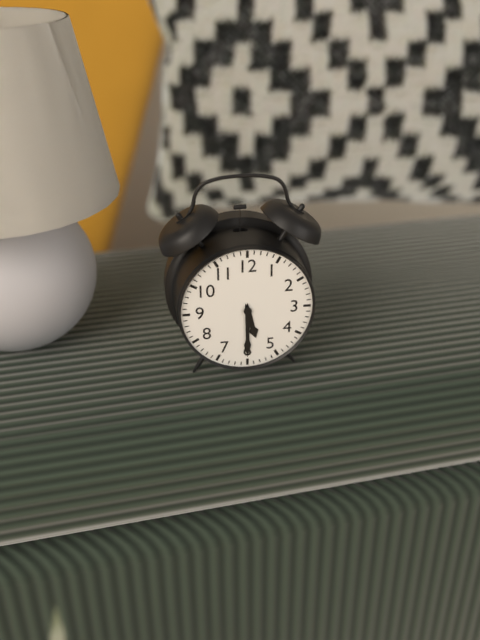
5:30
